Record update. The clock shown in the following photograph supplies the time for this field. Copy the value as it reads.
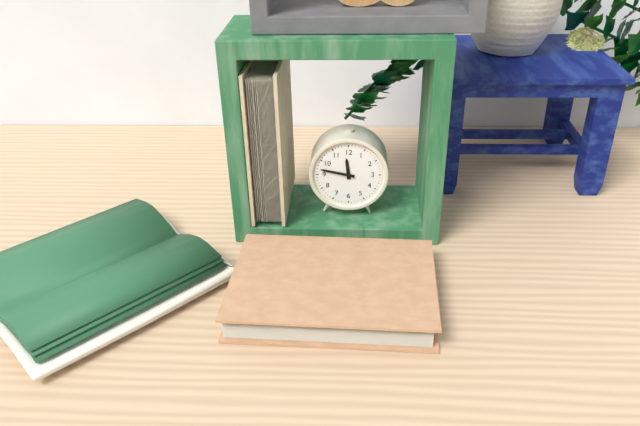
11:47
